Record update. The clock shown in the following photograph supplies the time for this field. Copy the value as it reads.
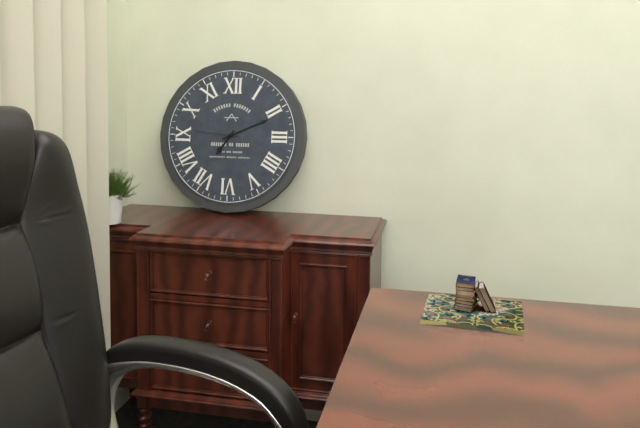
7:11
